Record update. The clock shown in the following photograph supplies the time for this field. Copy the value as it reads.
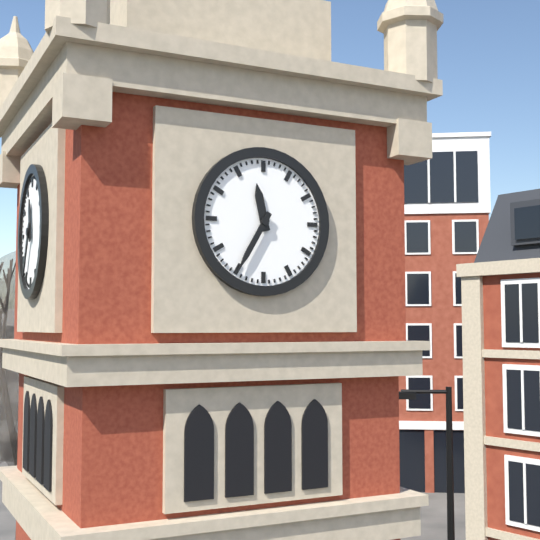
11:35
